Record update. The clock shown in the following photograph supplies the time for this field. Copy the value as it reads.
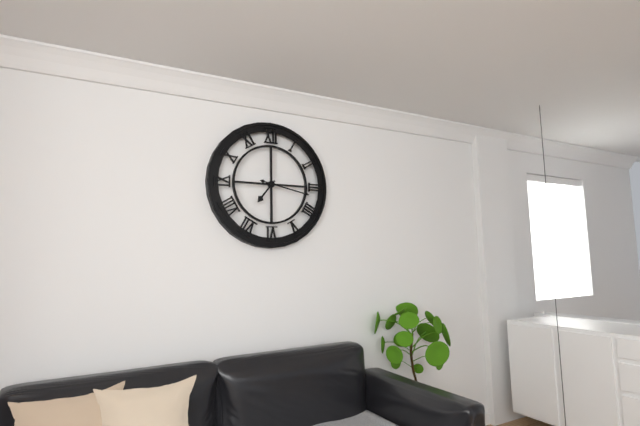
7:17
